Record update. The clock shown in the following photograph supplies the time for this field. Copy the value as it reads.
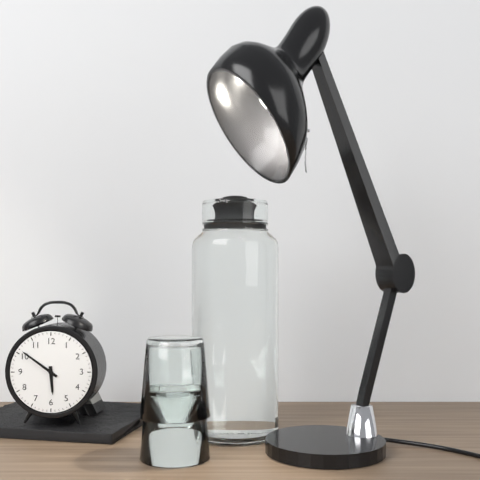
5:51
